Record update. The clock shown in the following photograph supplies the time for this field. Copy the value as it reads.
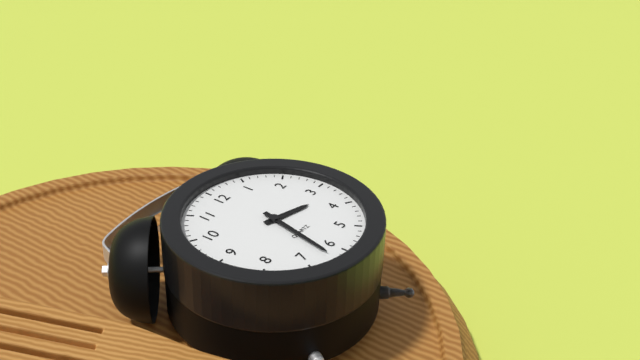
3:32
